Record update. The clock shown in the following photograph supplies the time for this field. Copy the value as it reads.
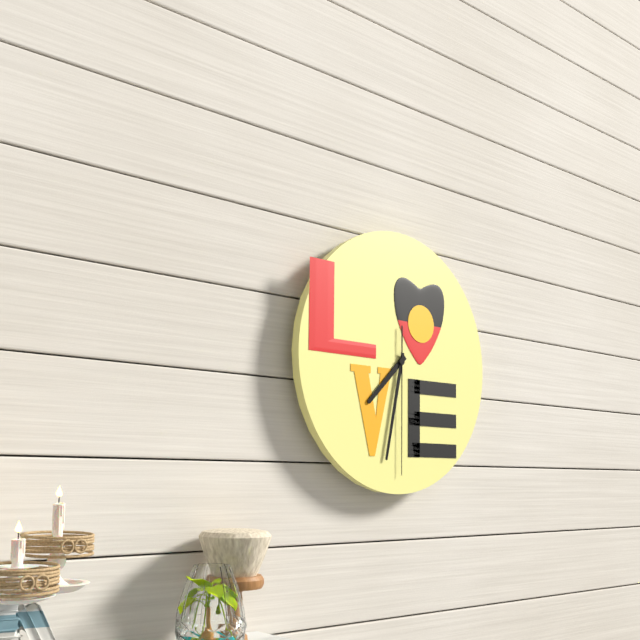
7:32:30
